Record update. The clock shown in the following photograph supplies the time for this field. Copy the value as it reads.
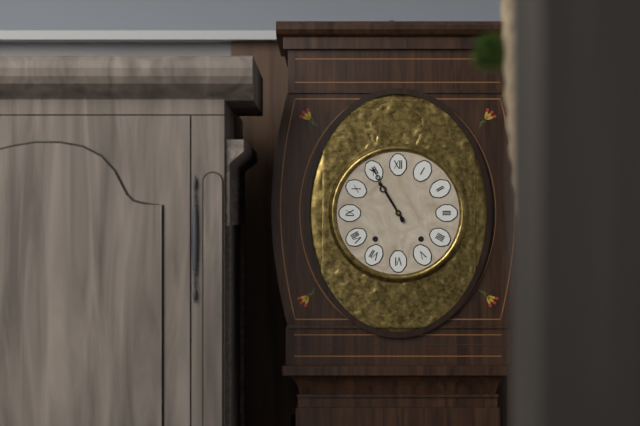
10:55
